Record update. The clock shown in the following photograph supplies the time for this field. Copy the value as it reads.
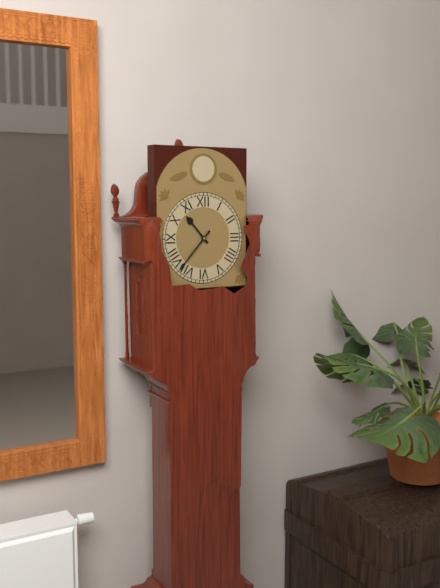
10:37
